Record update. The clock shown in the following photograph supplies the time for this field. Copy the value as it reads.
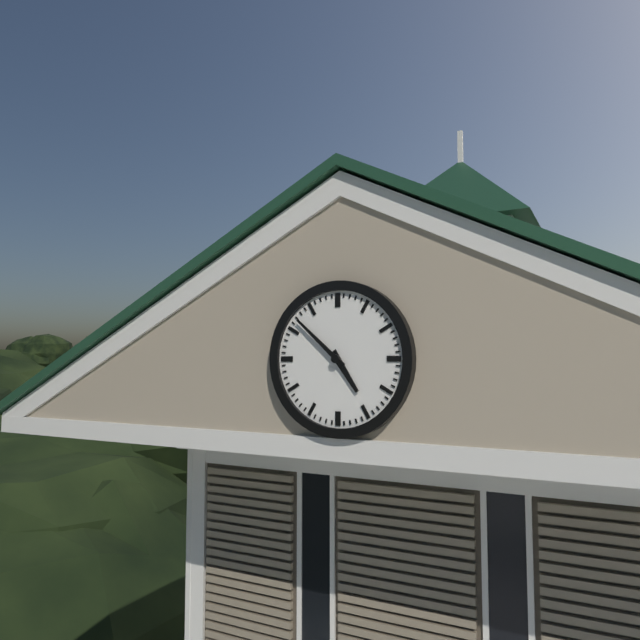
4:52
